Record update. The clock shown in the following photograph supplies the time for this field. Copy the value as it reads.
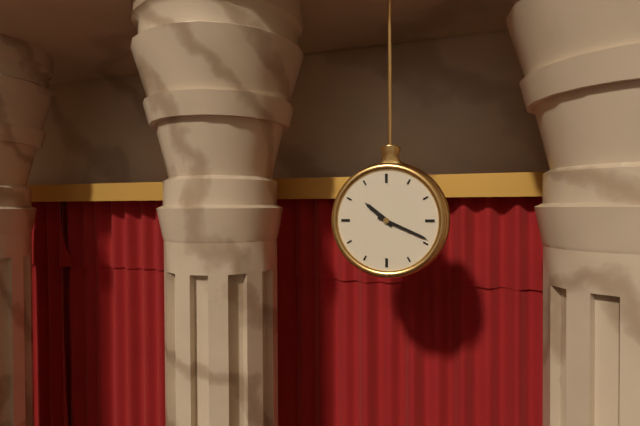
10:19
